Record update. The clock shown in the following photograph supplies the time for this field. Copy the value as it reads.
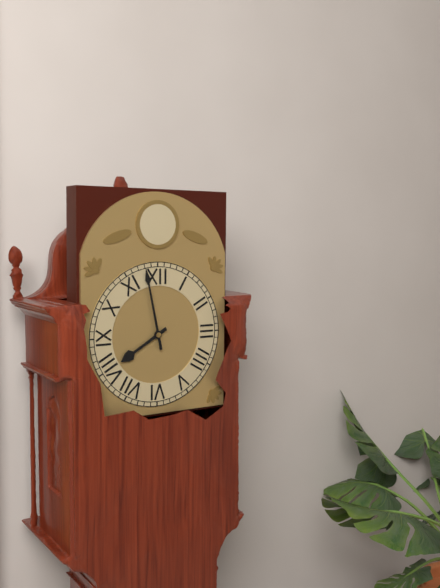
7:58
